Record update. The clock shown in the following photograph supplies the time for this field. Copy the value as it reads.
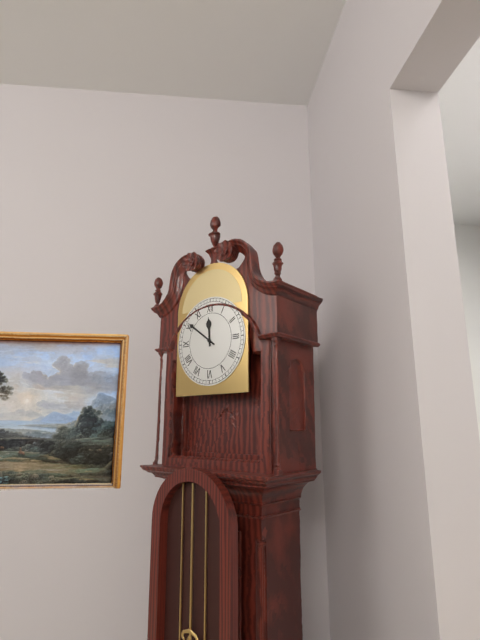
11:51
